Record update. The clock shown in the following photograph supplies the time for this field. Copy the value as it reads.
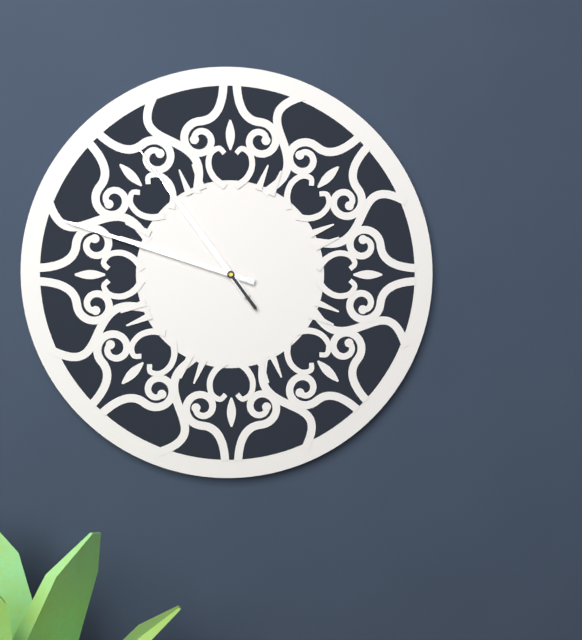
10:48:54
